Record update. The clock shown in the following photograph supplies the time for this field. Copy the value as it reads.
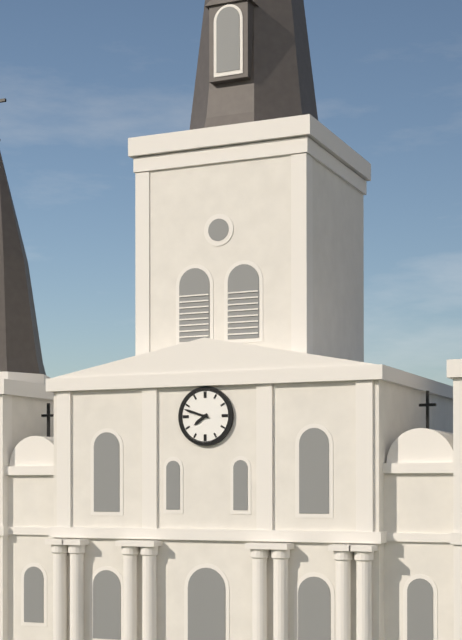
7:48
